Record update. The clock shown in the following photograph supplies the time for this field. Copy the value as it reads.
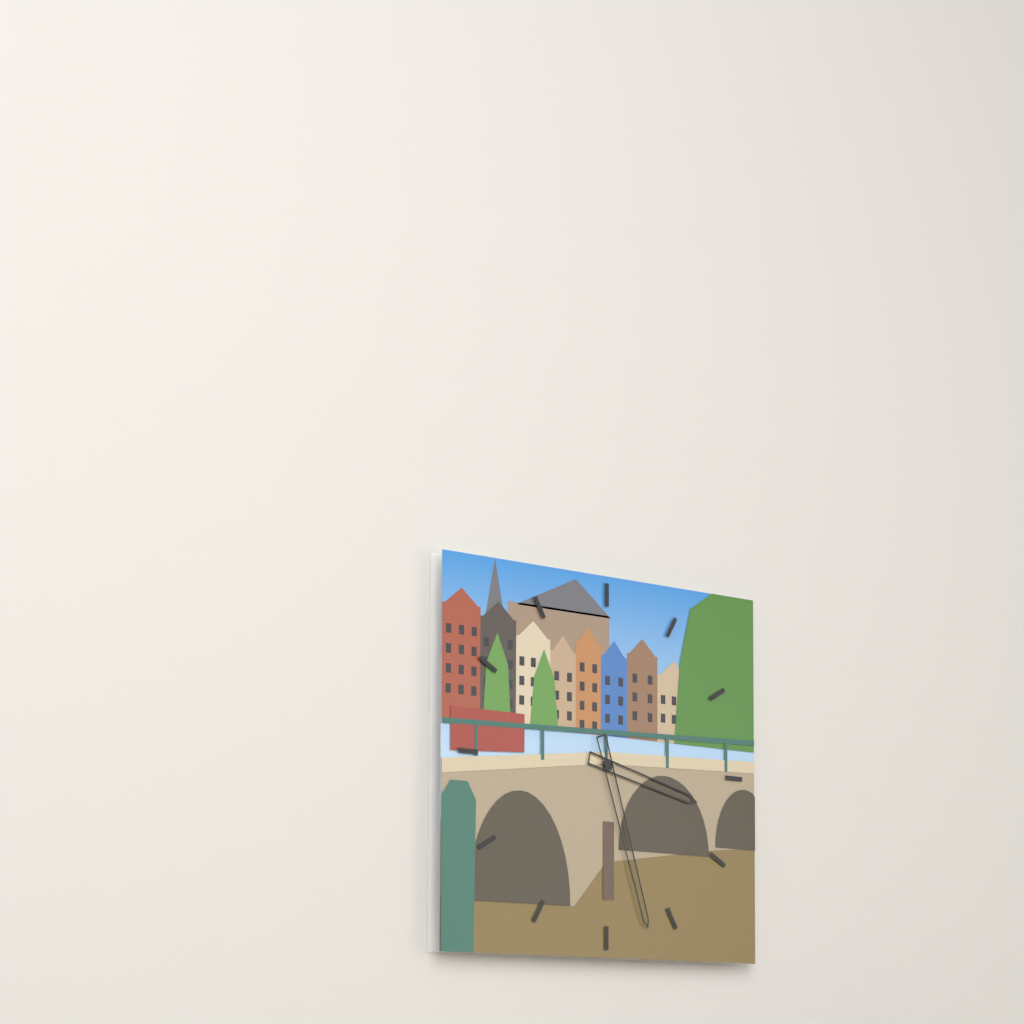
3:27
